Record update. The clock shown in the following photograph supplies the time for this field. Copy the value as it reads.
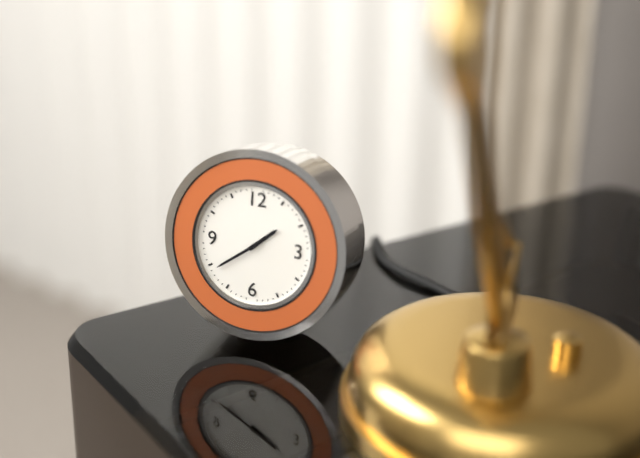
1:39
